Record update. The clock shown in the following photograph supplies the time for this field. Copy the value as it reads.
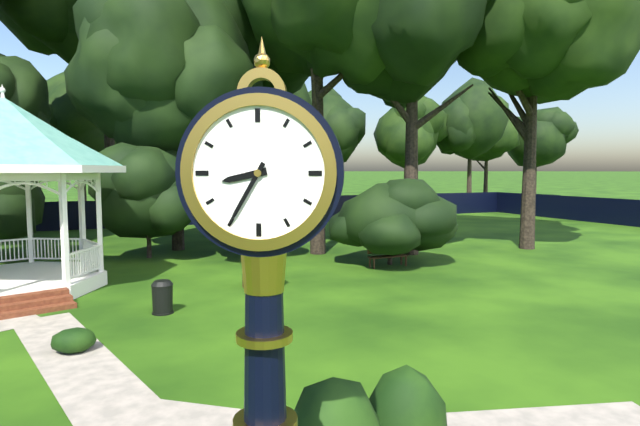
8:35
